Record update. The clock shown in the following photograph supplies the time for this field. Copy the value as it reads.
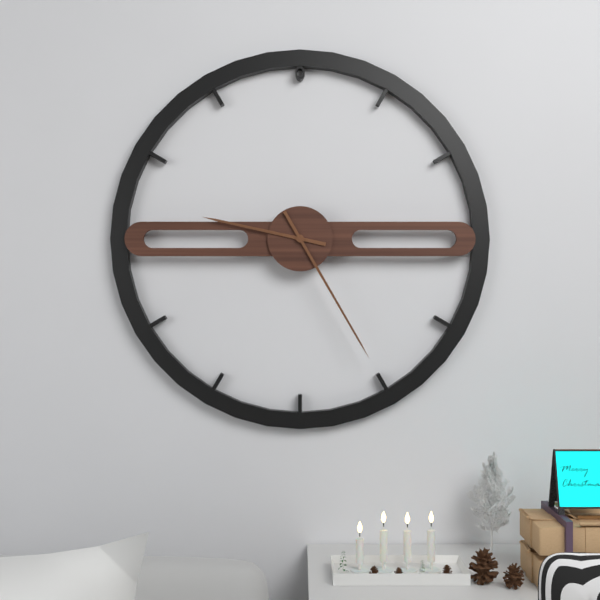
9:25
